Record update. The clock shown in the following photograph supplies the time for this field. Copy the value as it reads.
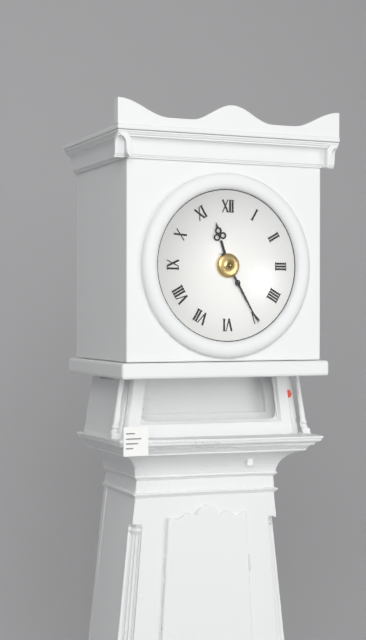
11:25
